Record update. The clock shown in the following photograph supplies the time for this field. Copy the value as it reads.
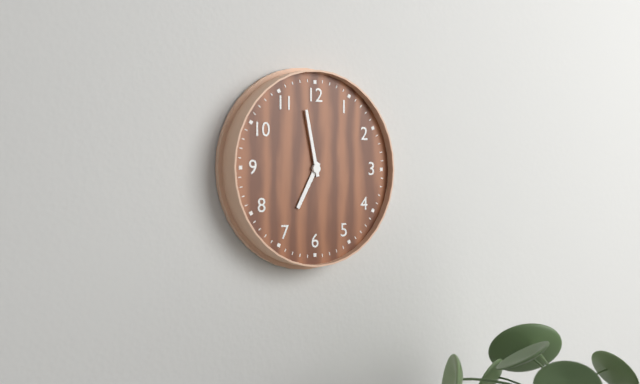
6:58
